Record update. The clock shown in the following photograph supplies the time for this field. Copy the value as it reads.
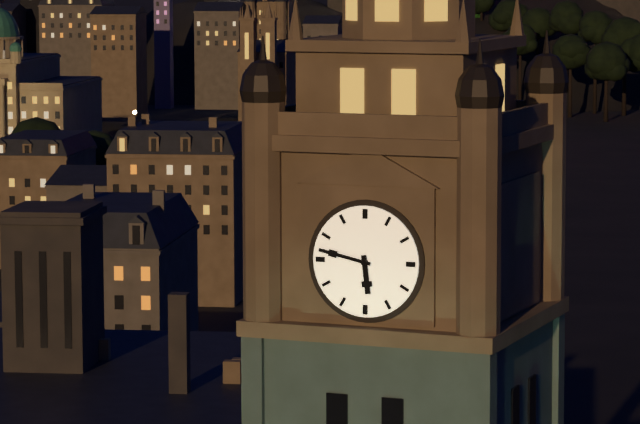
5:47
